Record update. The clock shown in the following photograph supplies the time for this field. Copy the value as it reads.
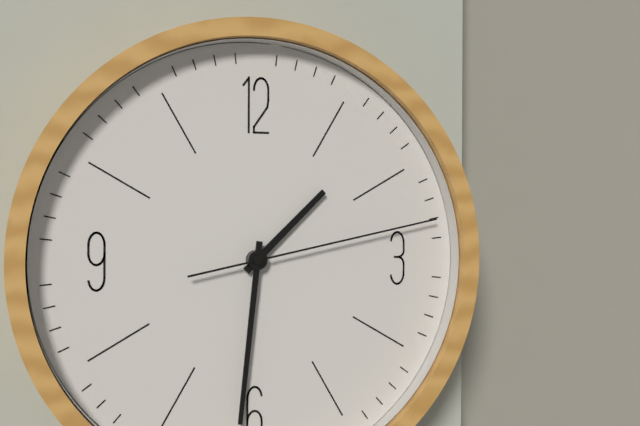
1:31:13
